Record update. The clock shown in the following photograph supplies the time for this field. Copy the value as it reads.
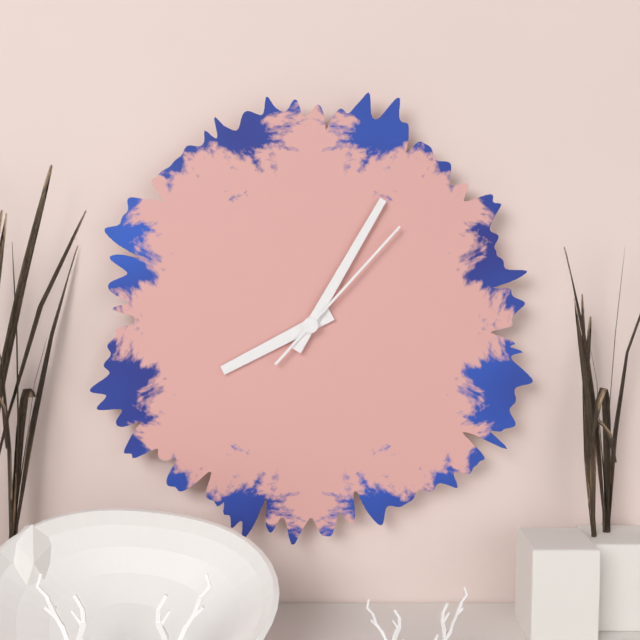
8:05:07
